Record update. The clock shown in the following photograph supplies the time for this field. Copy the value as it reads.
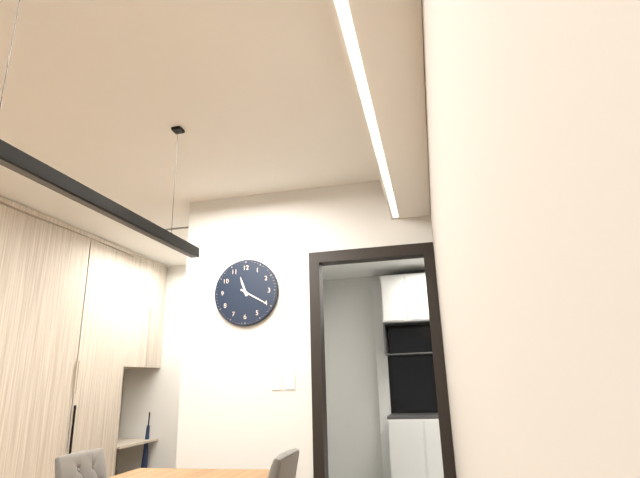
11:20
